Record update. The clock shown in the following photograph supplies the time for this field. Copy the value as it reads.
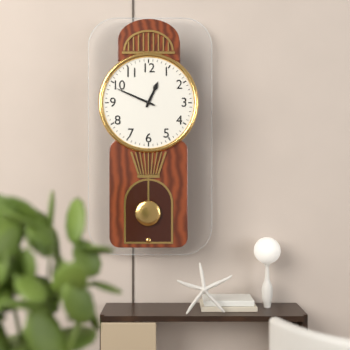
12:49
